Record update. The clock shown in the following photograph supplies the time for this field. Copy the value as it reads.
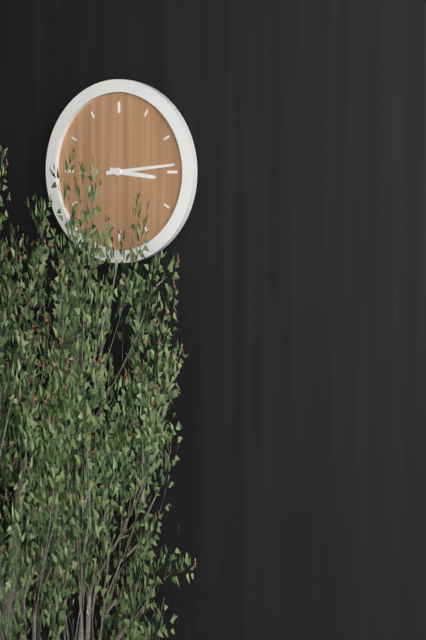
3:14
